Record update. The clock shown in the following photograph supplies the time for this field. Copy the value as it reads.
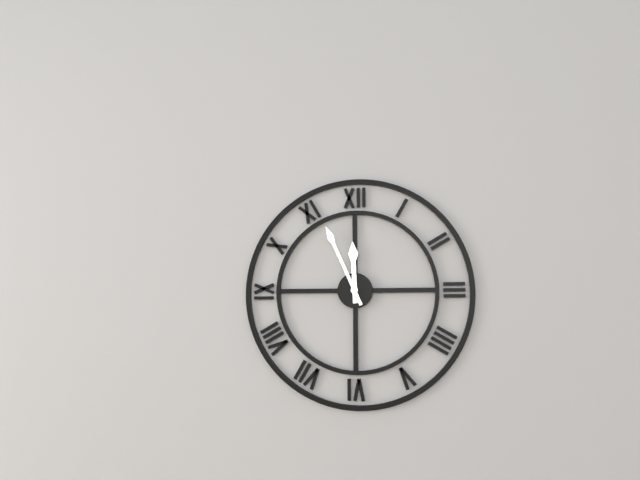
11:56
